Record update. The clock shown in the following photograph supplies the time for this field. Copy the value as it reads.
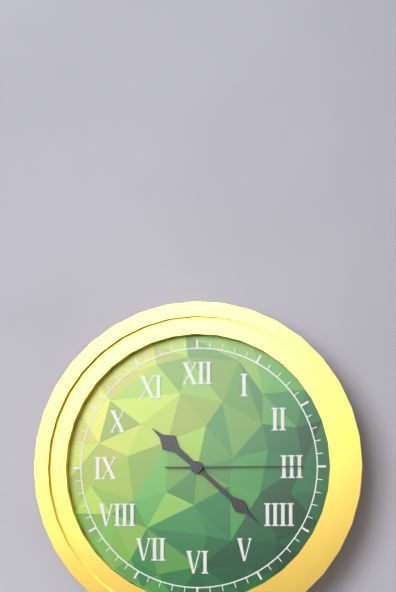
10:22:15
